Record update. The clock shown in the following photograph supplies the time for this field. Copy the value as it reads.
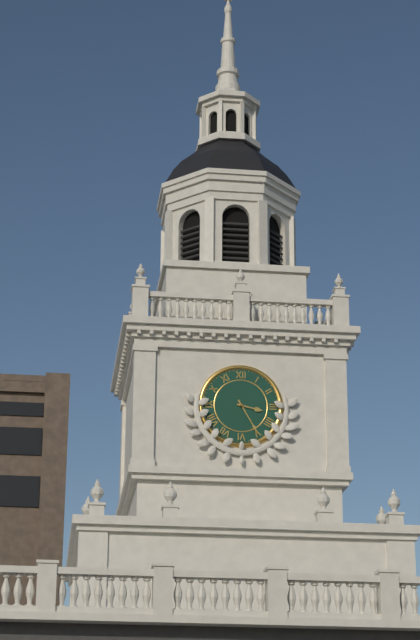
3:25
